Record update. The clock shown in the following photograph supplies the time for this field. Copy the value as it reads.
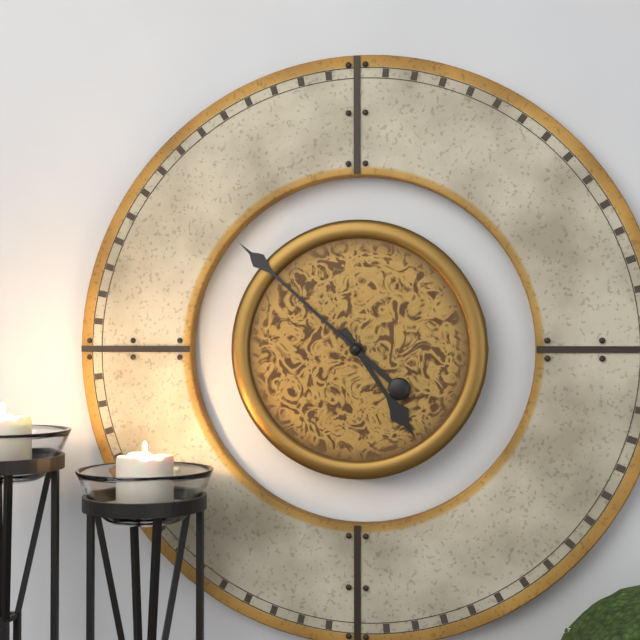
4:52
